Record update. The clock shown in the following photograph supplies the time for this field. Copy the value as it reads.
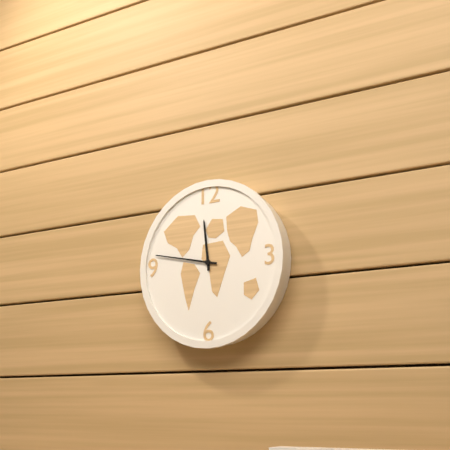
11:47
